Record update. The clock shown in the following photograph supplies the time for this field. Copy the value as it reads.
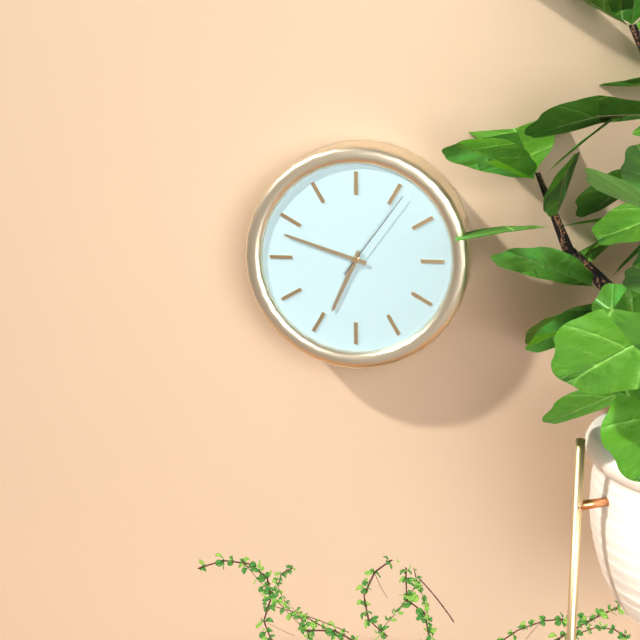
6:48:06
